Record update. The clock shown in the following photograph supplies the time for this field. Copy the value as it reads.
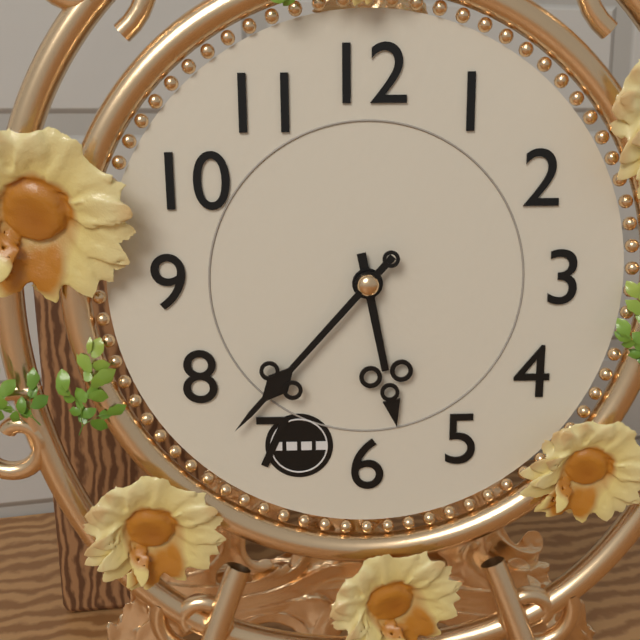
5:37
